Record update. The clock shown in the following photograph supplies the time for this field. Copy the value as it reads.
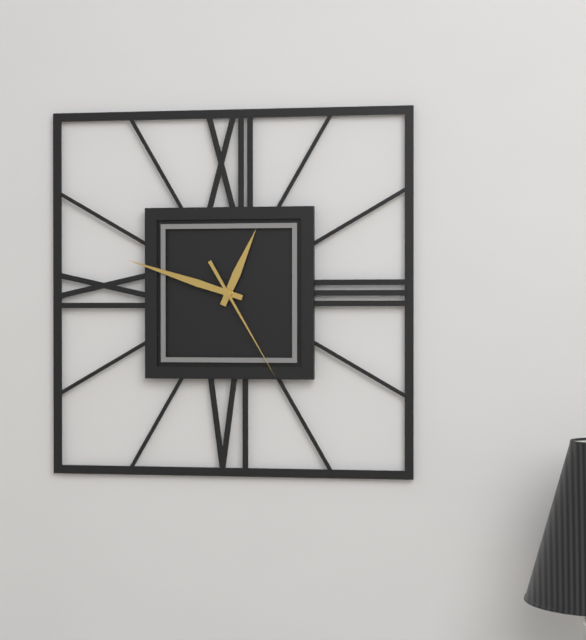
12:48:25
